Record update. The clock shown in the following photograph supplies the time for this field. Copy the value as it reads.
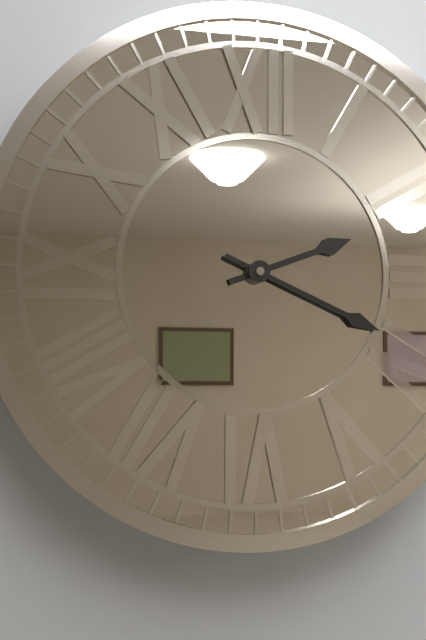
2:19
